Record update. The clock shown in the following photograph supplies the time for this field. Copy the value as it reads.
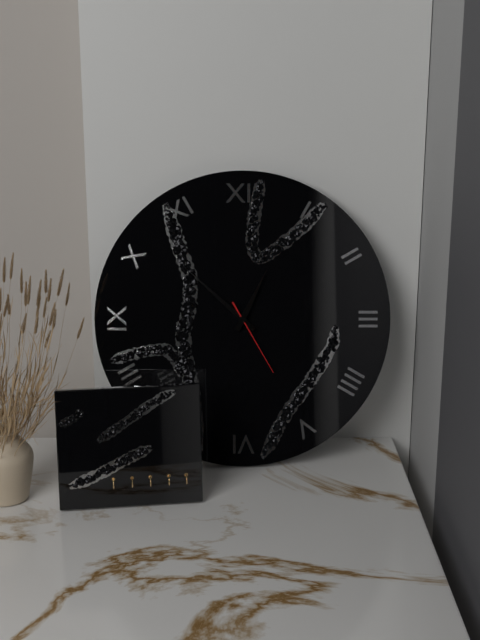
12:52:25
